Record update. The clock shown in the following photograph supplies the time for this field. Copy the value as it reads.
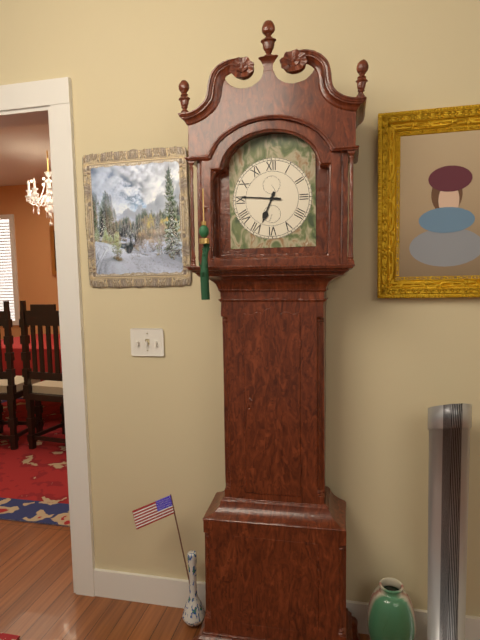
6:46
